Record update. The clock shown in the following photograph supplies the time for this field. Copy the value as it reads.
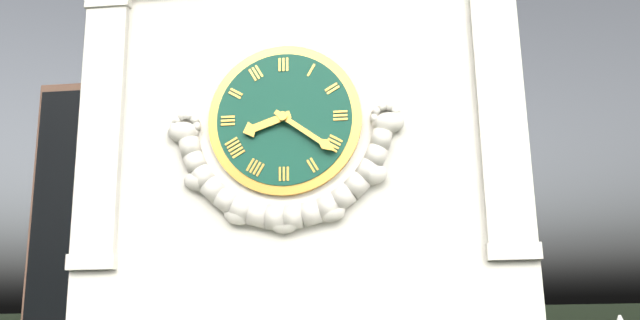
8:21
